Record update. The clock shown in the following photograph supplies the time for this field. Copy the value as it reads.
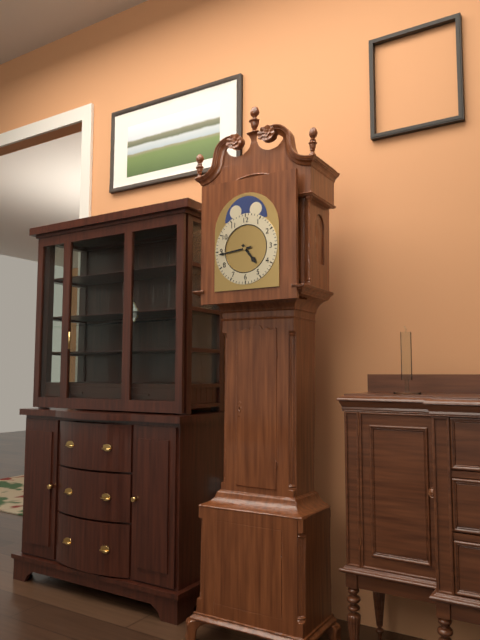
4:44
